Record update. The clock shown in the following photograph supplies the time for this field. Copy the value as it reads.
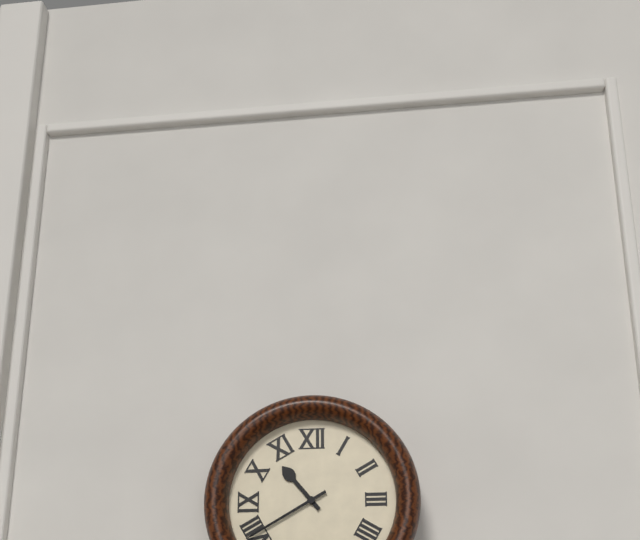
10:40
